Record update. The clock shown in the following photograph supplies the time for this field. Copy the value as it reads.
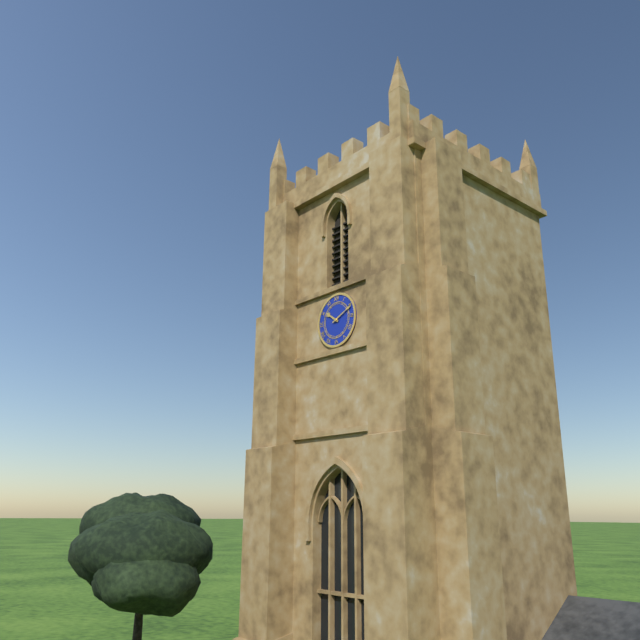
10:11
